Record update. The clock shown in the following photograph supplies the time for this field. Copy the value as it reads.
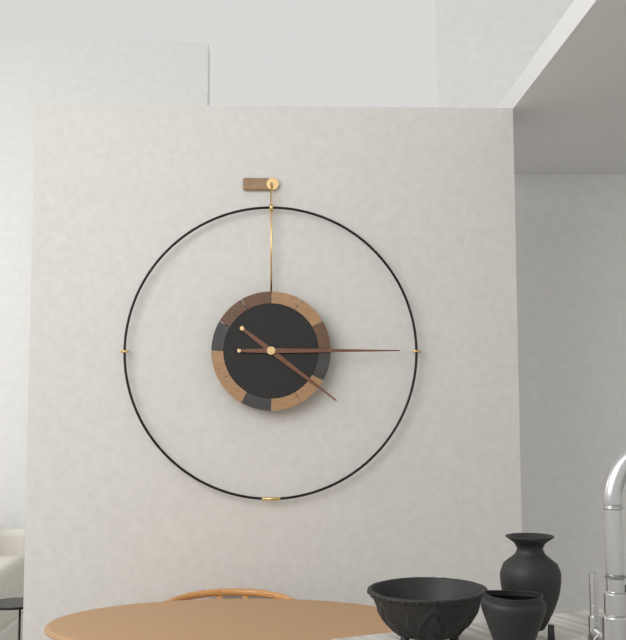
4:15
